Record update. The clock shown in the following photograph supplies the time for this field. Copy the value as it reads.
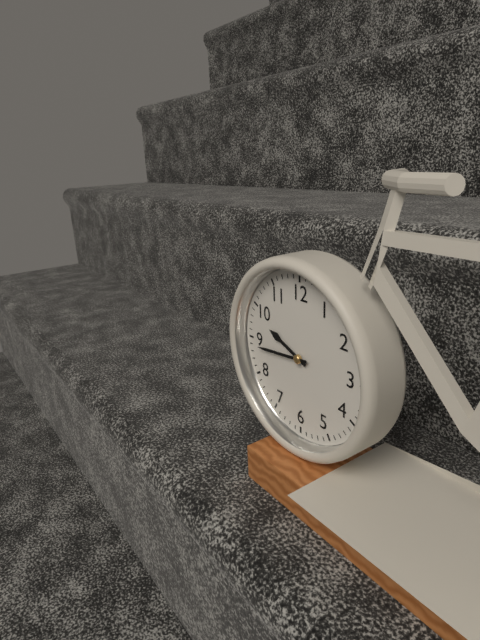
9:44
